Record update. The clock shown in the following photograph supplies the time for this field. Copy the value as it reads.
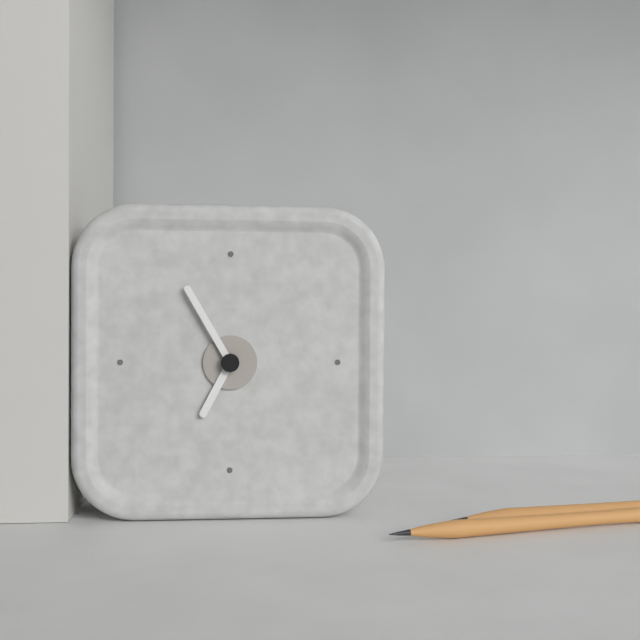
6:55
